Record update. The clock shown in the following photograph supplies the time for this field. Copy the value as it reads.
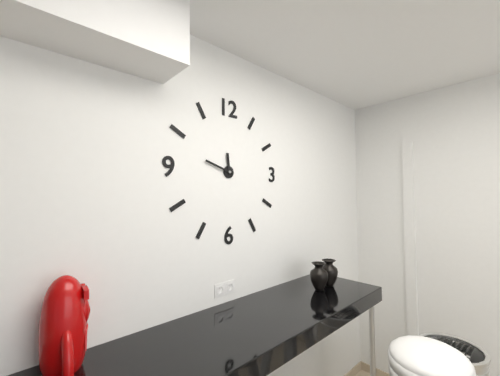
11:48
